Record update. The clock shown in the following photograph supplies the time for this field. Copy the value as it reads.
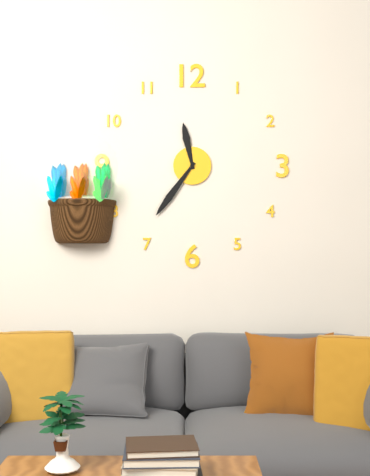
11:36
